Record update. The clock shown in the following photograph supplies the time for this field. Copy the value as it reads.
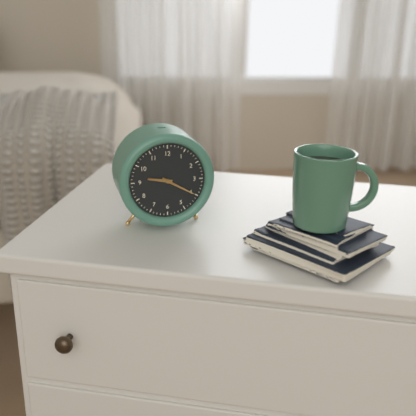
9:20
